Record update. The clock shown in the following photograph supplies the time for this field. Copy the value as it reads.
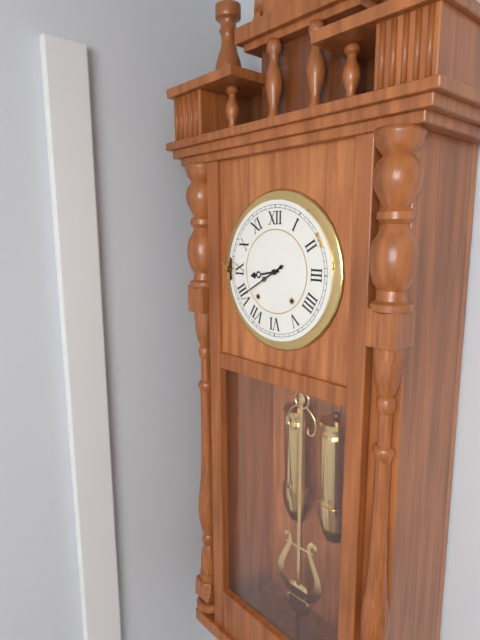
8:40
